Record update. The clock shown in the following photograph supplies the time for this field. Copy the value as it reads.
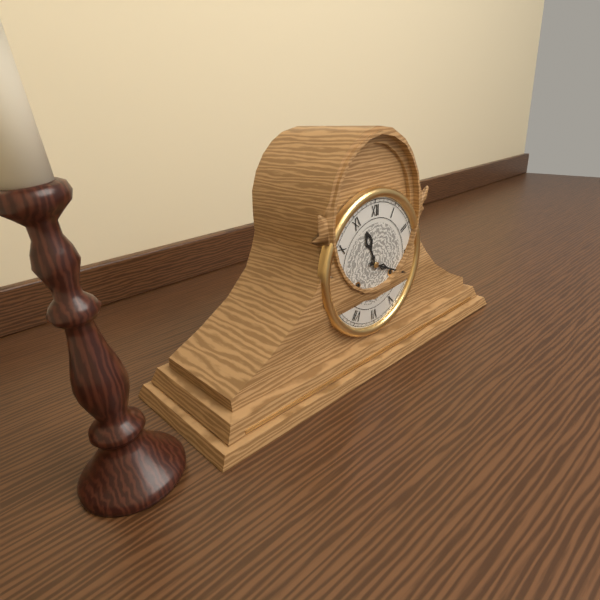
11:19
